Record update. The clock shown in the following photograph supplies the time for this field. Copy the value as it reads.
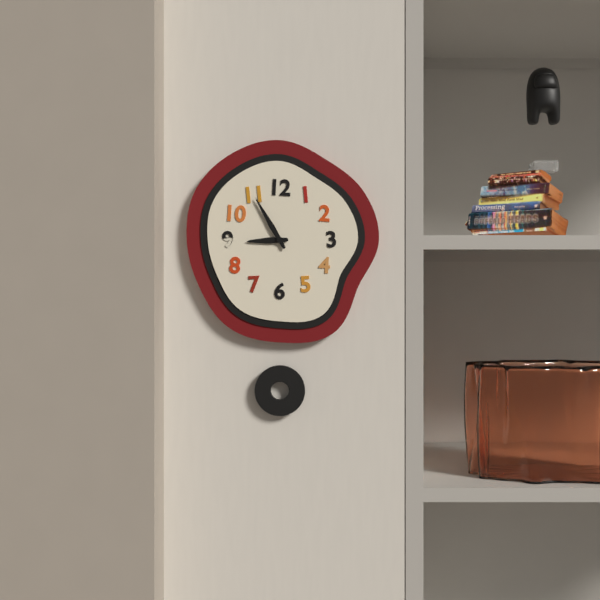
8:55
